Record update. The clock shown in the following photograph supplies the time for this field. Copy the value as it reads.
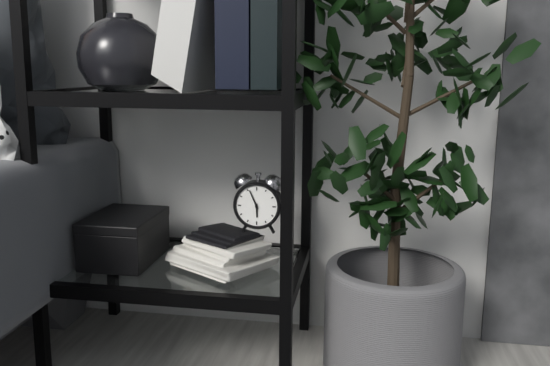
5:56
